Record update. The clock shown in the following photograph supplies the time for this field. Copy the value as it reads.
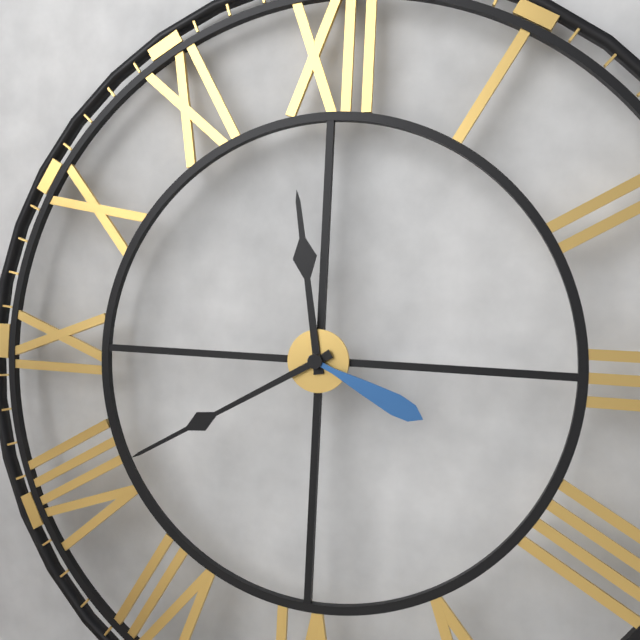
11:40:19
